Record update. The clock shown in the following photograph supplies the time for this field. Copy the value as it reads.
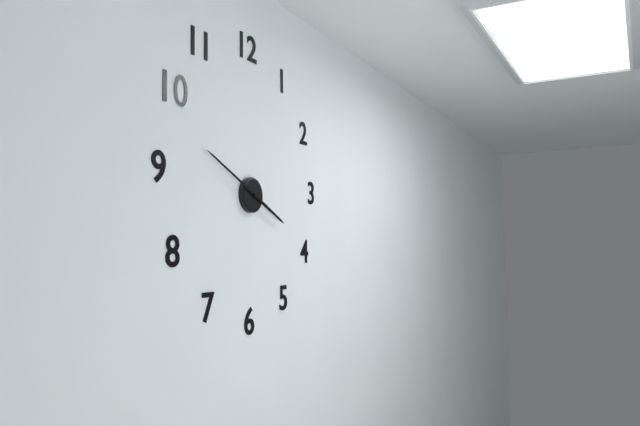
3:49
